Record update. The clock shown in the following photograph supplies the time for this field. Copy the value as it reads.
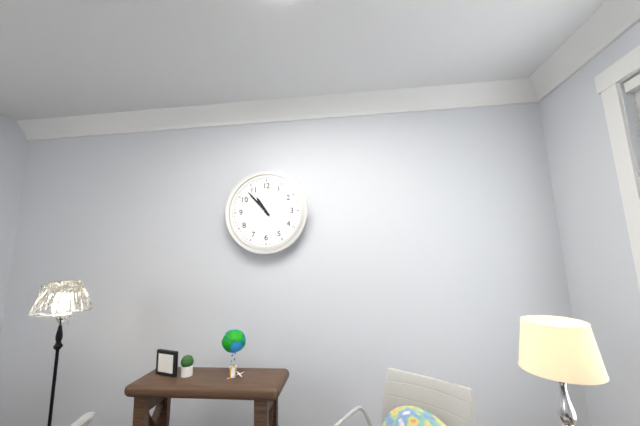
10:53
